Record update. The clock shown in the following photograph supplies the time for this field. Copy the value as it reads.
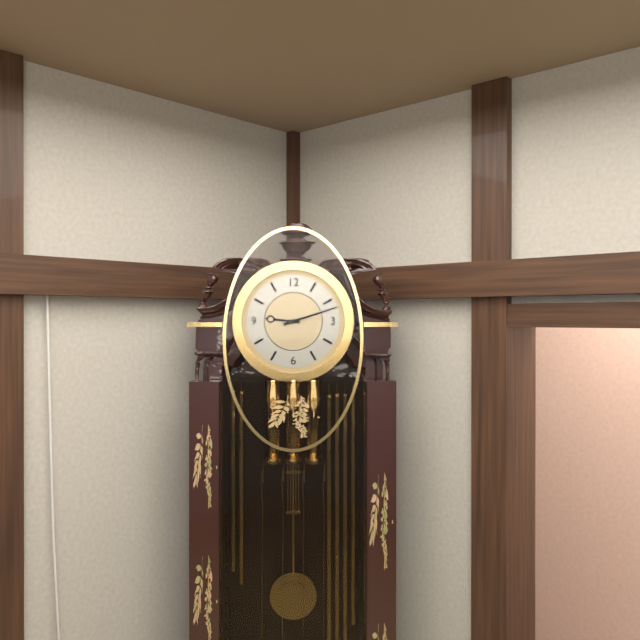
9:12
